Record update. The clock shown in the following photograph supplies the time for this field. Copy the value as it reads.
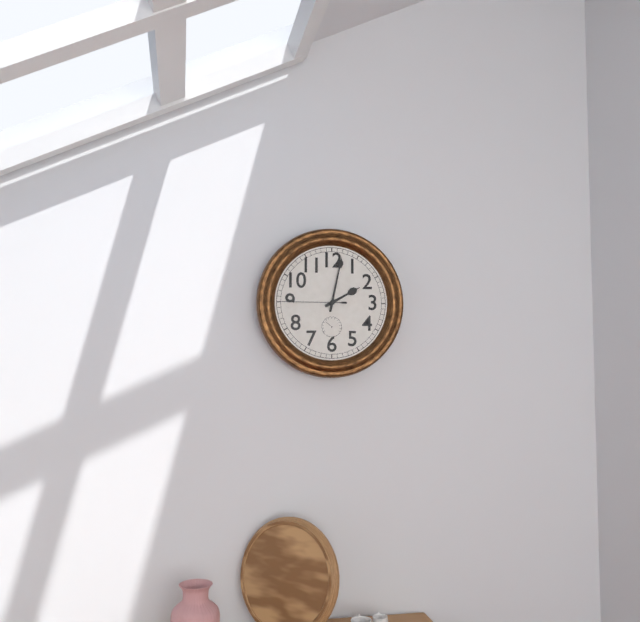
2:02:45
